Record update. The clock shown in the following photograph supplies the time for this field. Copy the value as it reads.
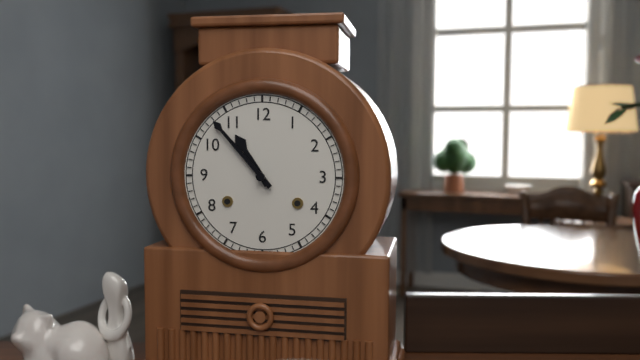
10:53
